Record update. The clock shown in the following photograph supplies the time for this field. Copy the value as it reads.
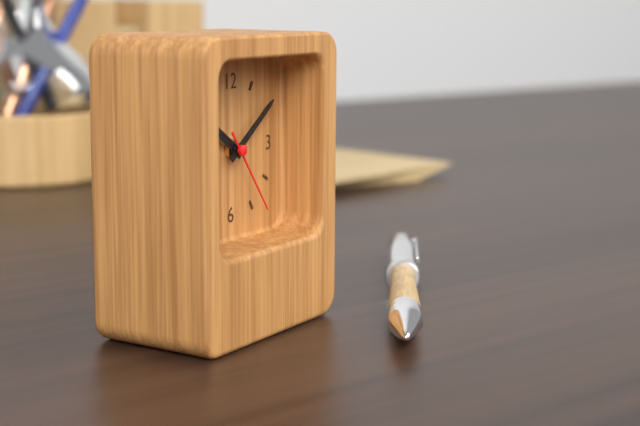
10:09:24
